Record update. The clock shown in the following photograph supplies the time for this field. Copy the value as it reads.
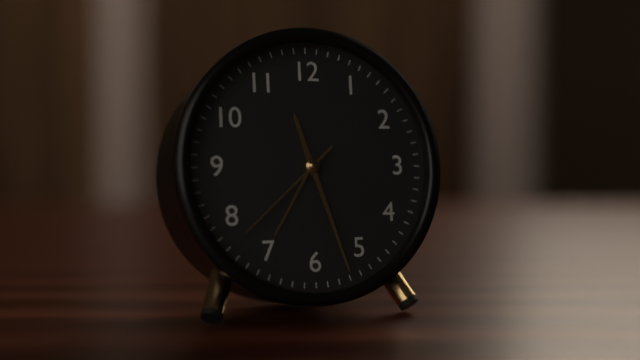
11:27:38
